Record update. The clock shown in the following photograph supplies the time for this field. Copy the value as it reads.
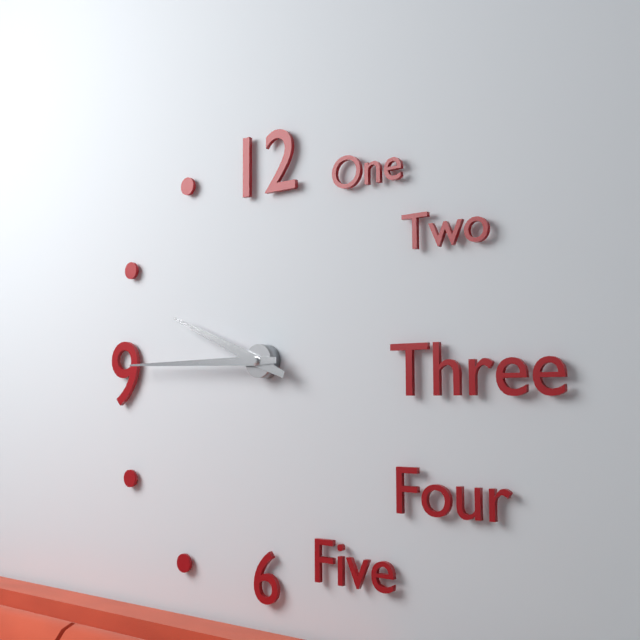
9:45
